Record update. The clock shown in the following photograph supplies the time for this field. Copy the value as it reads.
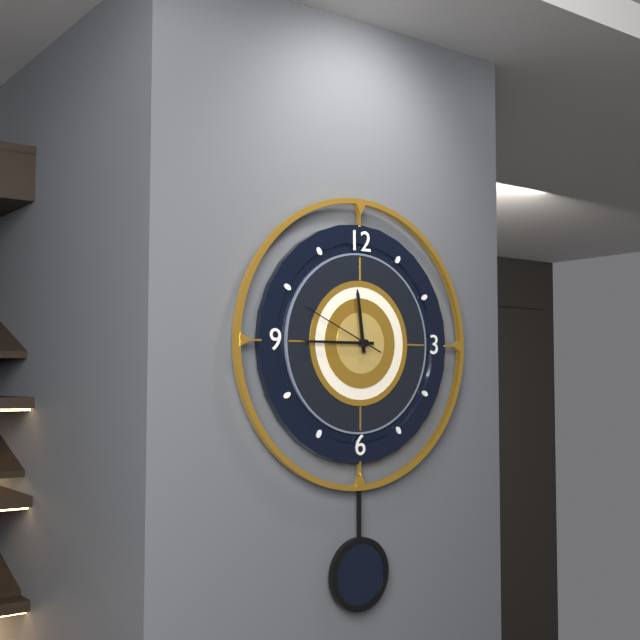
11:45:49
